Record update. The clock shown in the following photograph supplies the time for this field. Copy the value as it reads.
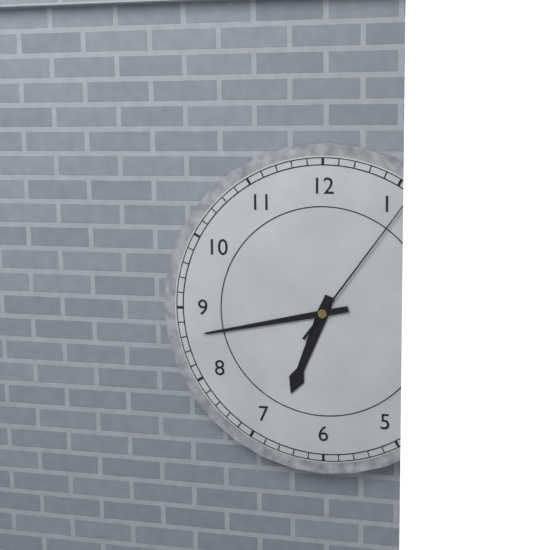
6:43:06
